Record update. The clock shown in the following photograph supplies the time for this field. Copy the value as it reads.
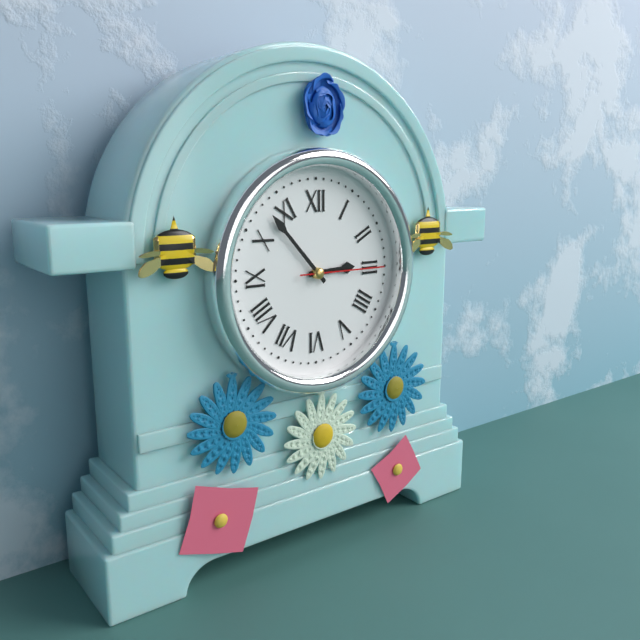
2:53:15
